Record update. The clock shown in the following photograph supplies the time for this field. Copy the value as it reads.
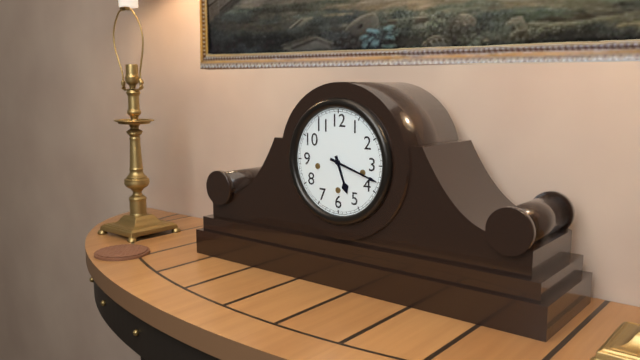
5:18
